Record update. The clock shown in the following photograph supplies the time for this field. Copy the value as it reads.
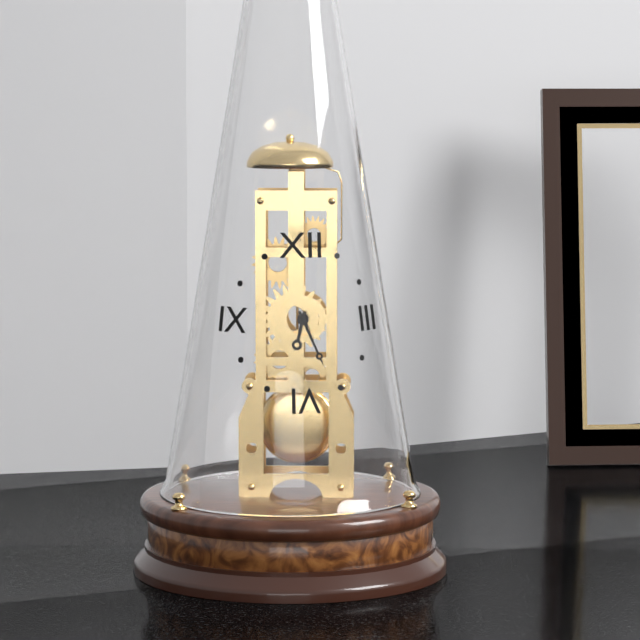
6:26
